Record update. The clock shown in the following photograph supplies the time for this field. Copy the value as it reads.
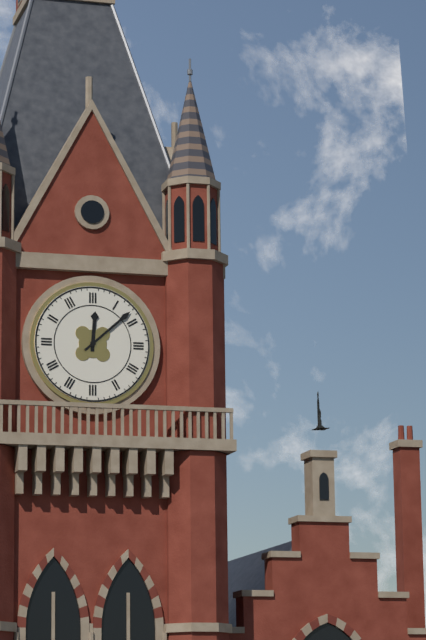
12:08
